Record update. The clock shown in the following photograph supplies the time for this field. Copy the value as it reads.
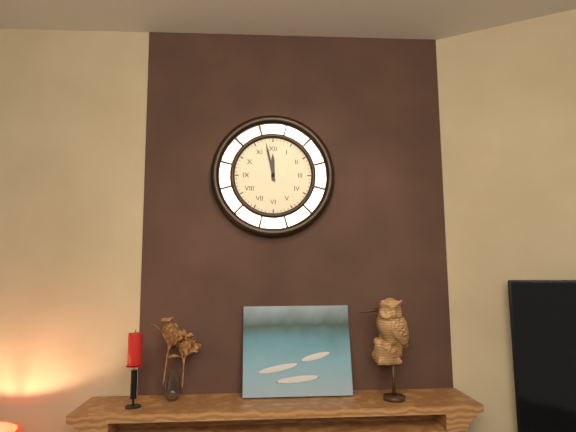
11:58
